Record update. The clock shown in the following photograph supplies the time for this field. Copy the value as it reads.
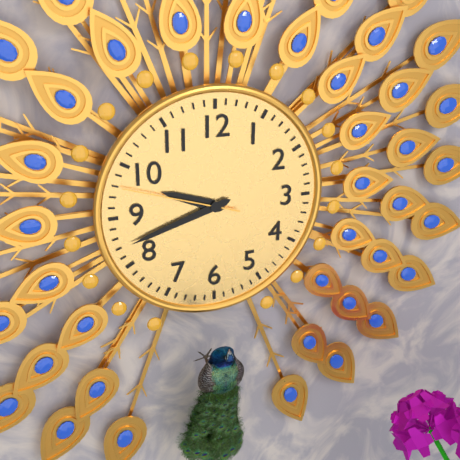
9:42:48
